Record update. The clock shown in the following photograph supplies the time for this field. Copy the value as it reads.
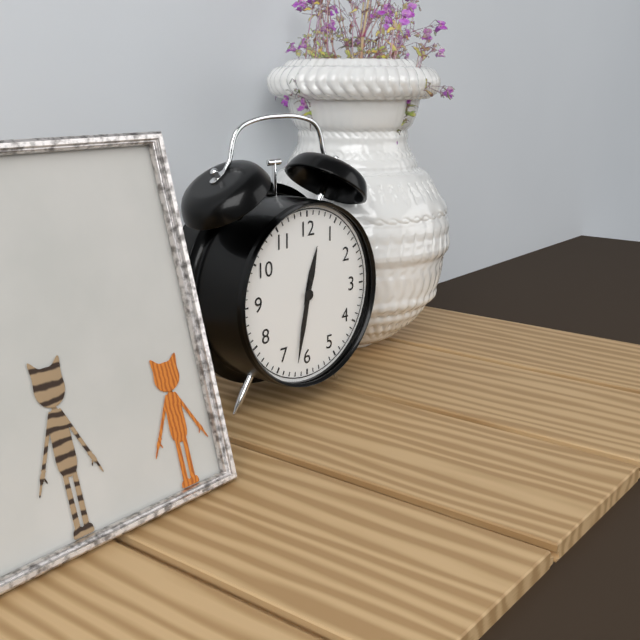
12:32
